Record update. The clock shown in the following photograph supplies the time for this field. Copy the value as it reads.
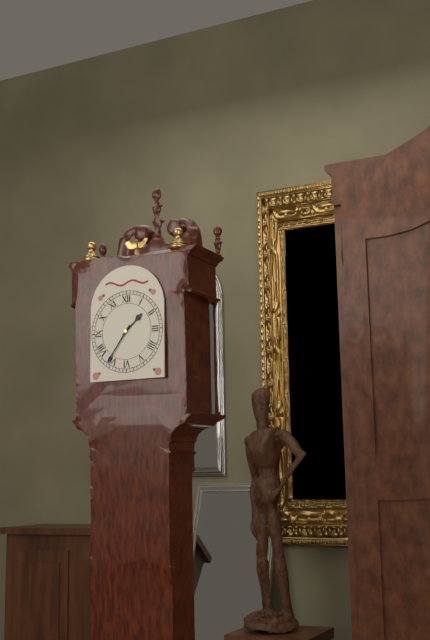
1:36
